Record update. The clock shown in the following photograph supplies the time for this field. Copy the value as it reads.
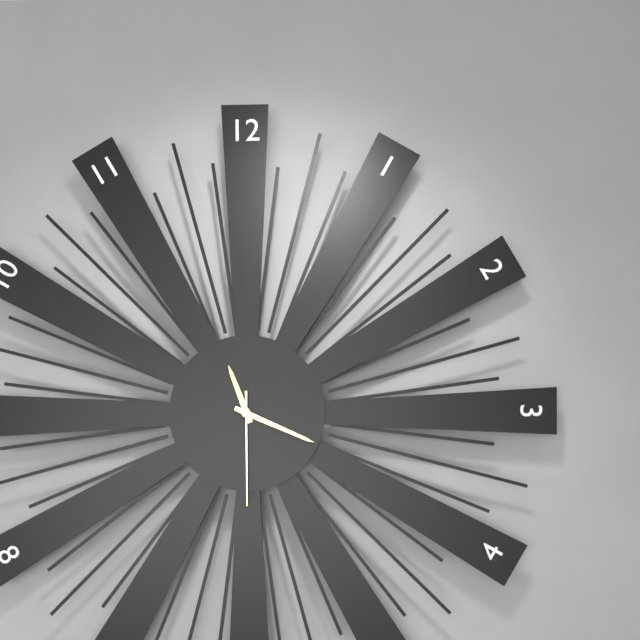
11:19:30
